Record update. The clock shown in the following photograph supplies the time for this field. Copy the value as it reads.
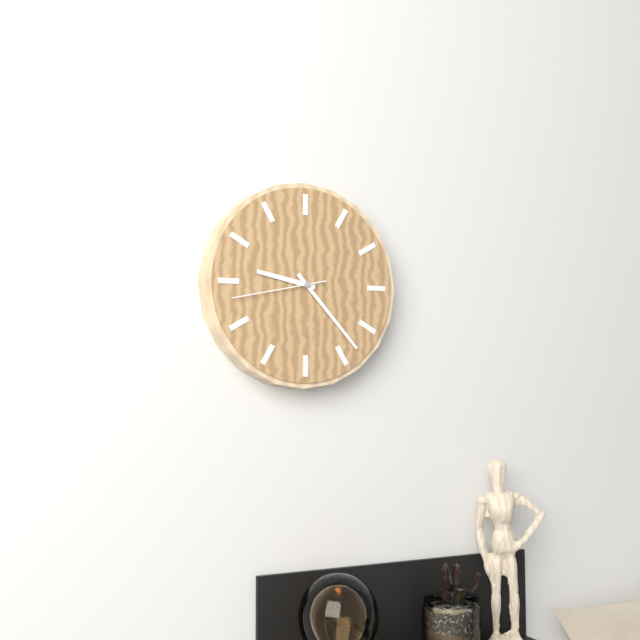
9:23:43
